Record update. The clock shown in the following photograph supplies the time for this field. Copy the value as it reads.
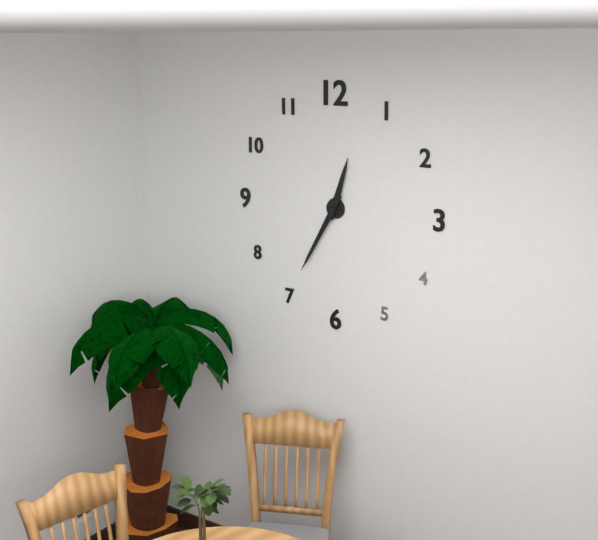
12:35
